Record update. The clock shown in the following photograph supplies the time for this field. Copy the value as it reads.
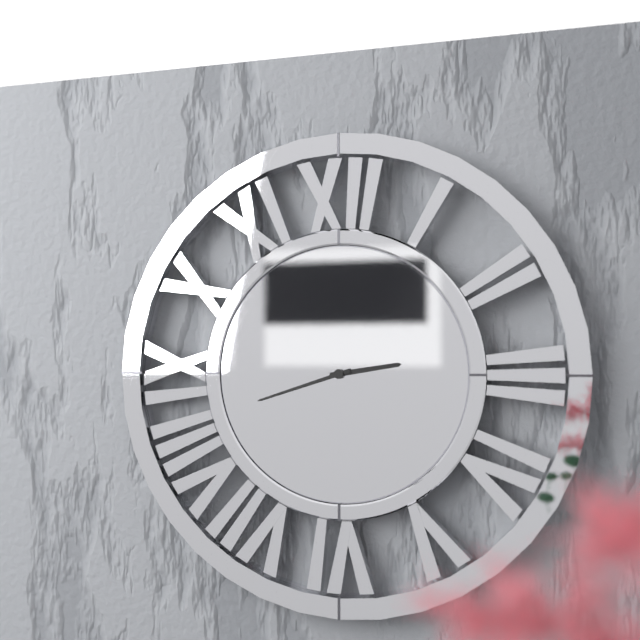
2:42
